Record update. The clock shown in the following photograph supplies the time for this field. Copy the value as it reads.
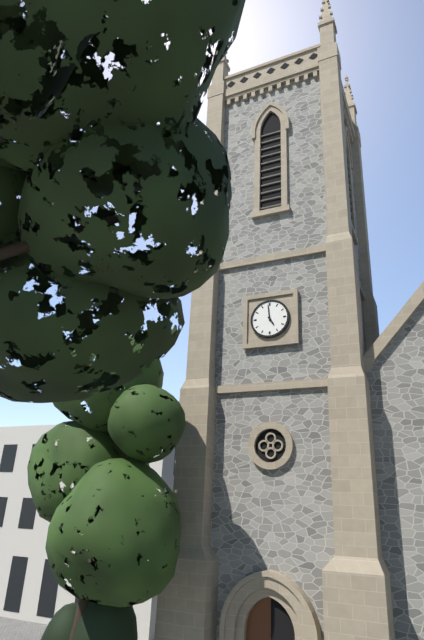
4:59
